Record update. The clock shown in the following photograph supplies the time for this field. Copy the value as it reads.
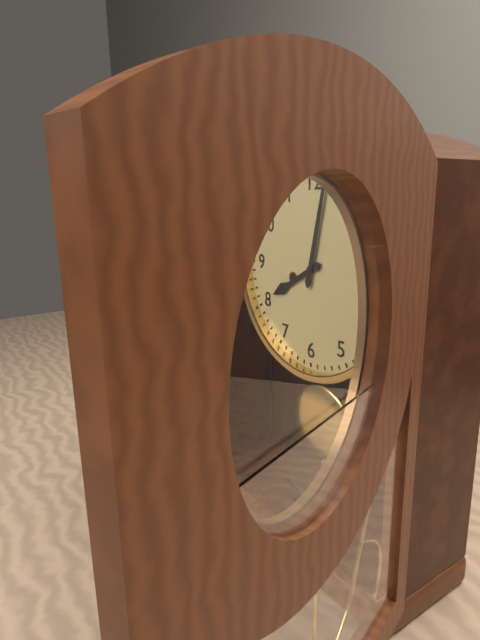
8:02
